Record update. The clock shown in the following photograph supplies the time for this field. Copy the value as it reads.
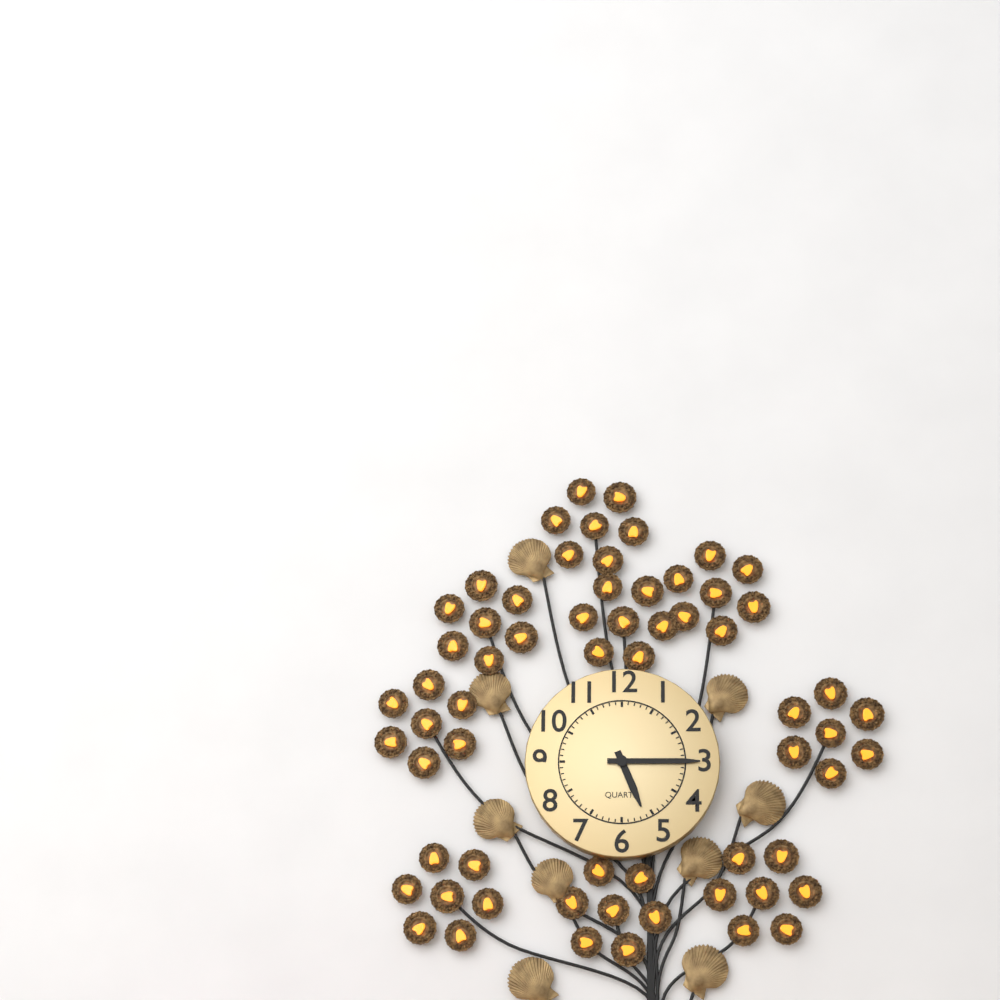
5:15
